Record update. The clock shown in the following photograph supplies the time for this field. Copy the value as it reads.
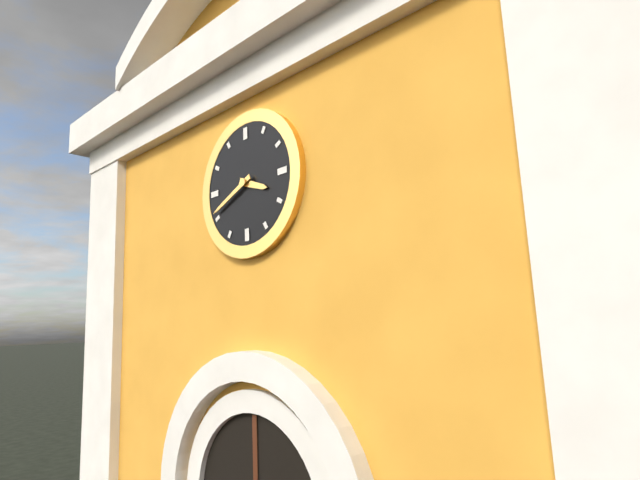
3:41
